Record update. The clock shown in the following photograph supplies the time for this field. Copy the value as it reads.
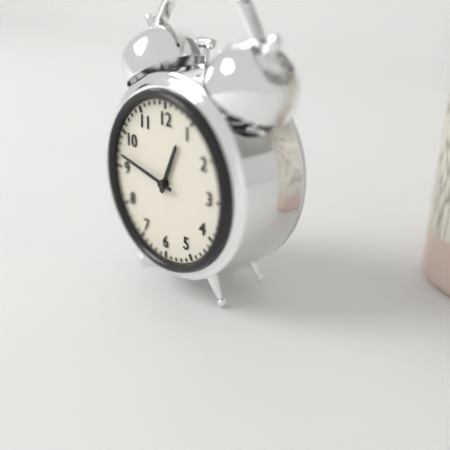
12:47
